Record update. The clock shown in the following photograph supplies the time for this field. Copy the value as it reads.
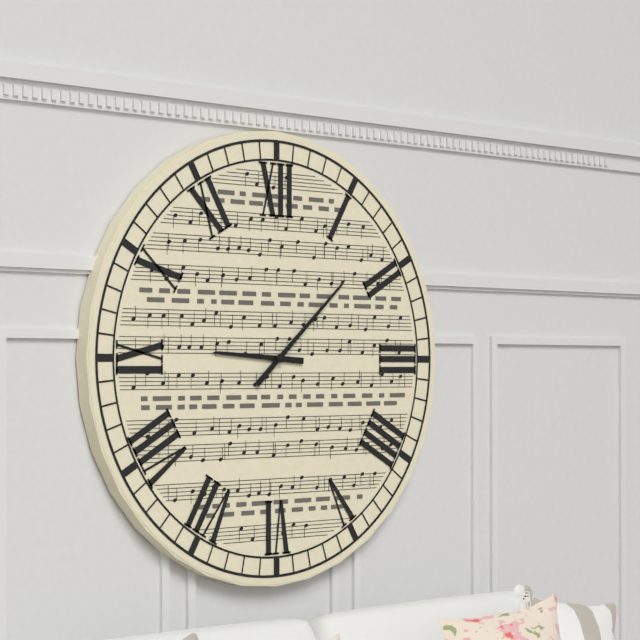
9:08
